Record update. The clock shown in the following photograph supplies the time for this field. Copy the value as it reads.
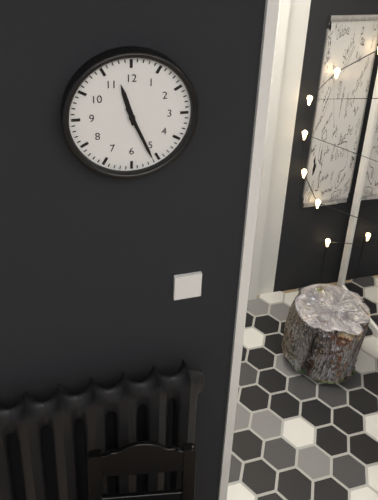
11:26
